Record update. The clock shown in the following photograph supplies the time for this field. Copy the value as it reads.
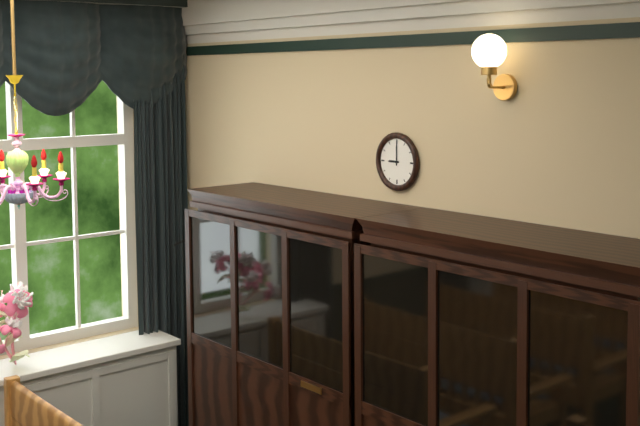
9:00
